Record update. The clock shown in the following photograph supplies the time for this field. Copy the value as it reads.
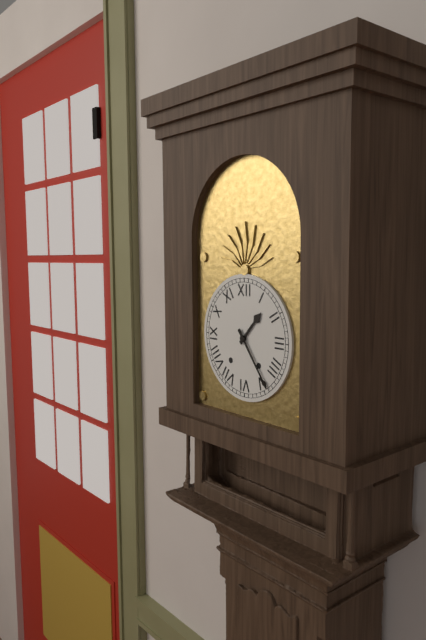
1:24
